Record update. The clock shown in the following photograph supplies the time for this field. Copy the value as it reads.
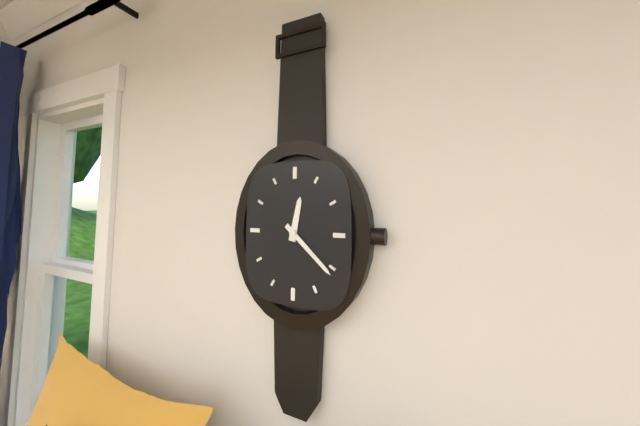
12:22
